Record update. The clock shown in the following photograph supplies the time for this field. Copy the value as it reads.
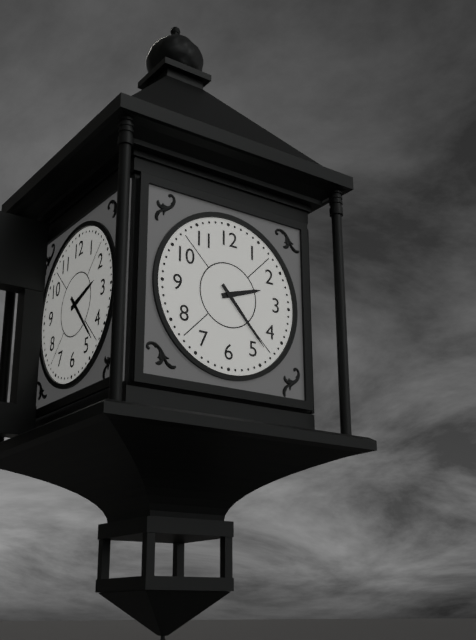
2:23
